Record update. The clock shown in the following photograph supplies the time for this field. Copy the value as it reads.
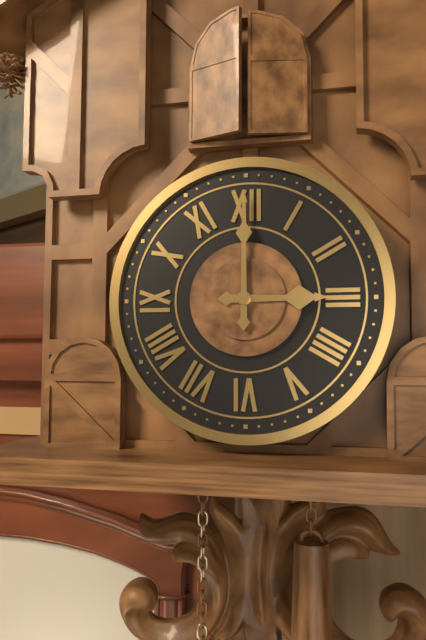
3:00
